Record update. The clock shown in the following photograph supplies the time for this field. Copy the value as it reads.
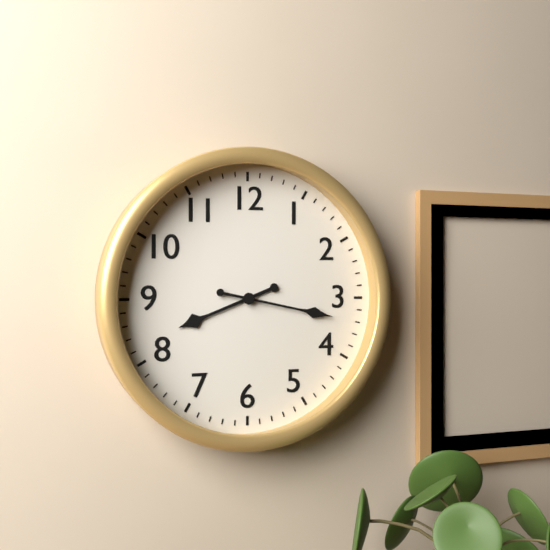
8:17
